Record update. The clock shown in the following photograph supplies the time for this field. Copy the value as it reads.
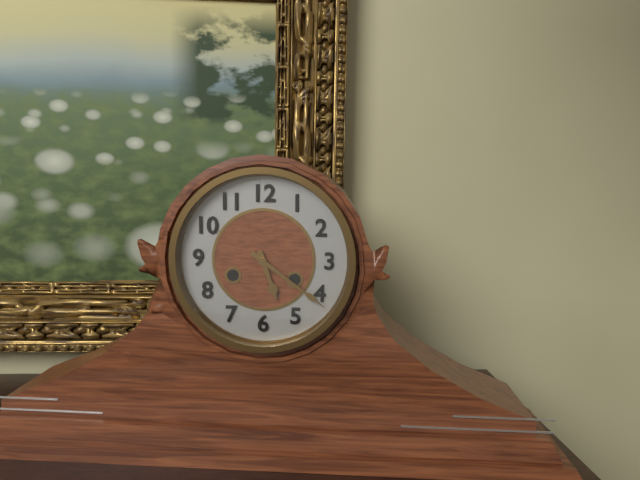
5:21
